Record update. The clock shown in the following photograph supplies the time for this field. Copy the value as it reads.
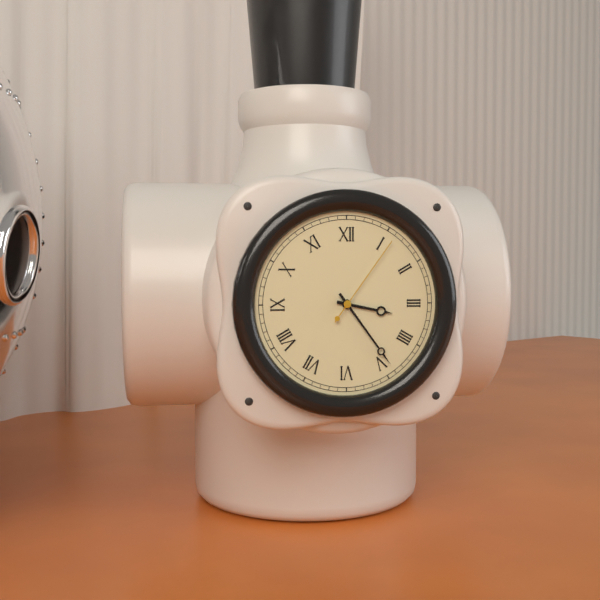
3:24:06
